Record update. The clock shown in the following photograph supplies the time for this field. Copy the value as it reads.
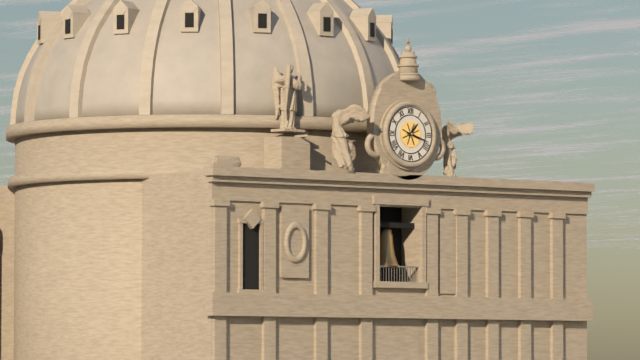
1:18
